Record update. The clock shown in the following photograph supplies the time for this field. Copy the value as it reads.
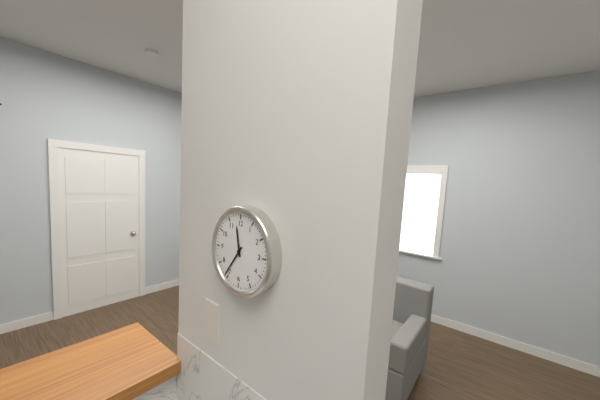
11:36
